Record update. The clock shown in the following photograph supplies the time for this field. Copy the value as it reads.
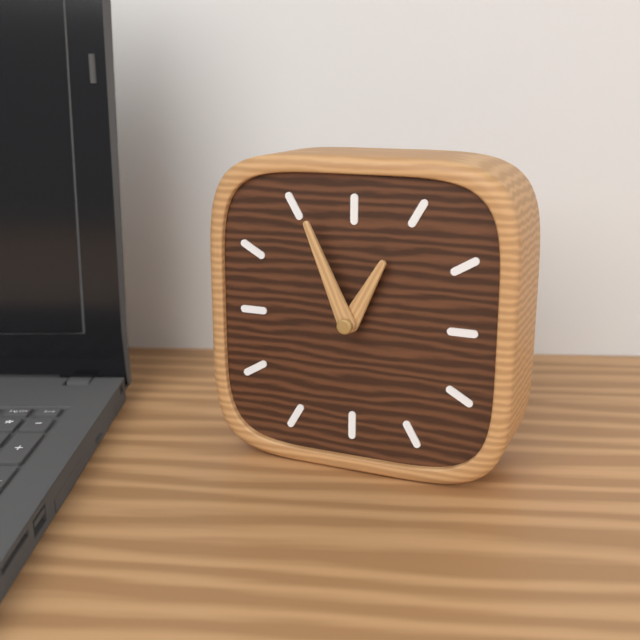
12:56
